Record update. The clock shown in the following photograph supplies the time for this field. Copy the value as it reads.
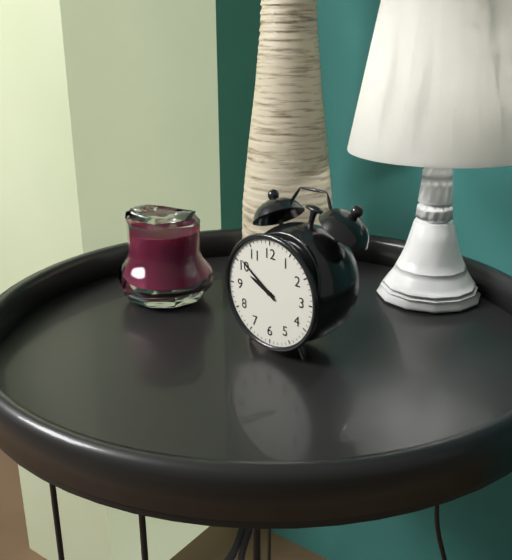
9:51
